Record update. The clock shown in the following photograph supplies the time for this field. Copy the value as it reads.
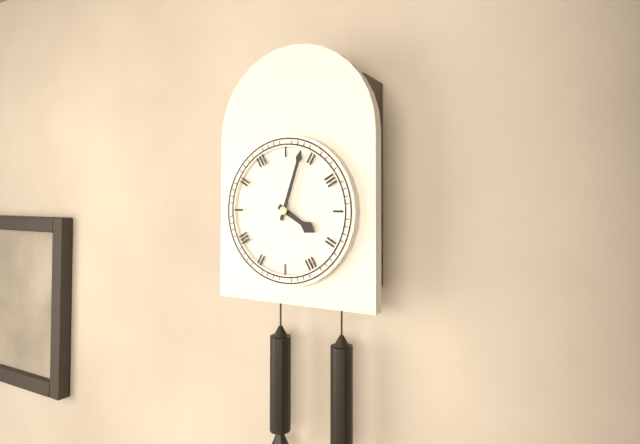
4:03
